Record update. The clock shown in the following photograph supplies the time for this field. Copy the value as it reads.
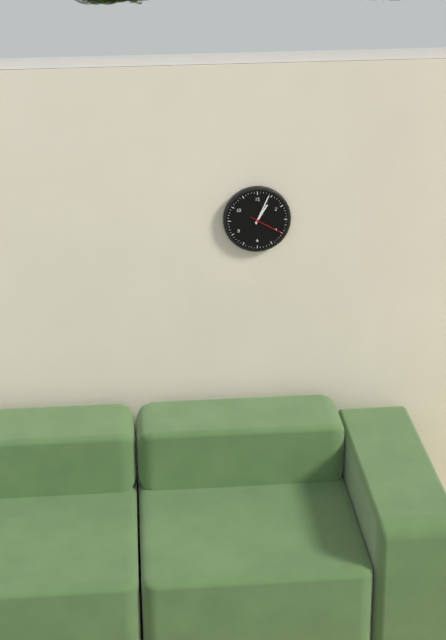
1:04
